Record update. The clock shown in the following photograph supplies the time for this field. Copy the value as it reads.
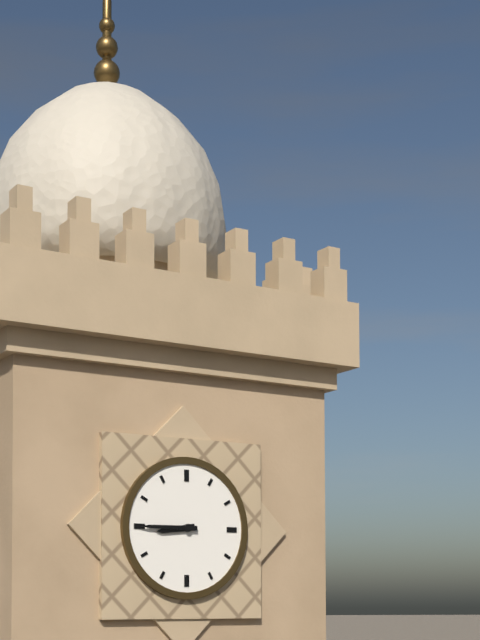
8:45
